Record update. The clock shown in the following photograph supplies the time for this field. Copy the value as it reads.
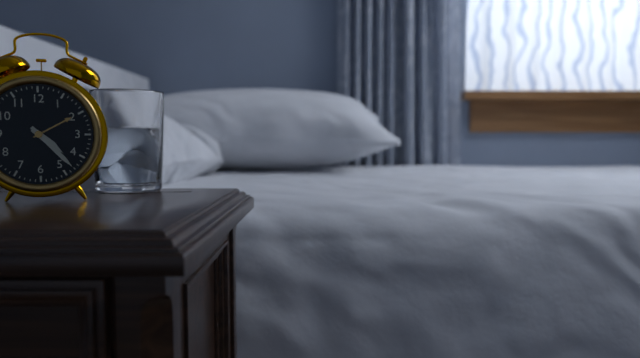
4:23
